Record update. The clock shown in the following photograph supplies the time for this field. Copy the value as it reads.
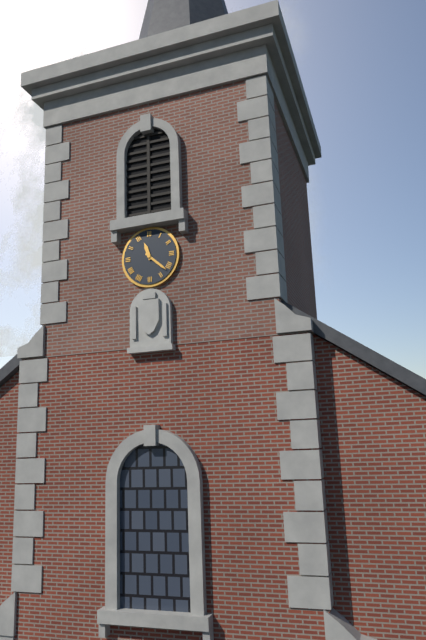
11:22
